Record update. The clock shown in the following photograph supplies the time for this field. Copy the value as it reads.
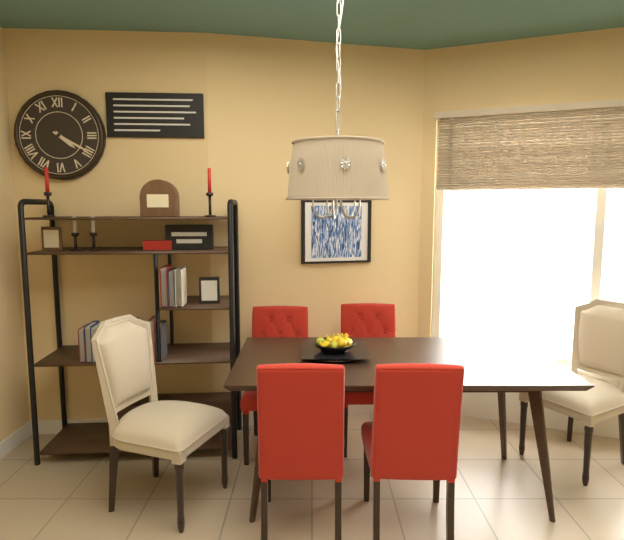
4:20
